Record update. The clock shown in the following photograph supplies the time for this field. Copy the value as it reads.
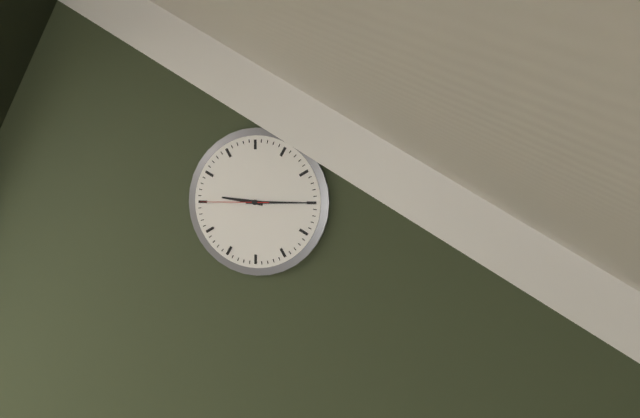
9:15:45
